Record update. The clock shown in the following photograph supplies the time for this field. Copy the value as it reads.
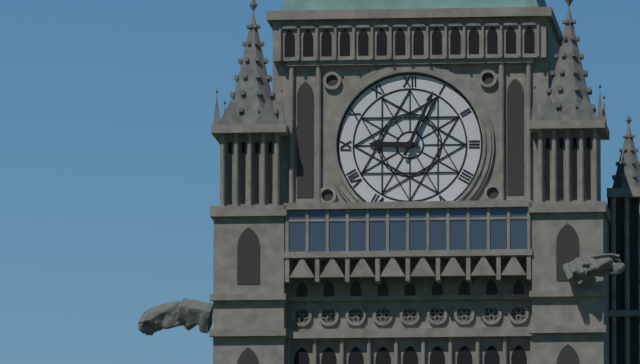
9:04
